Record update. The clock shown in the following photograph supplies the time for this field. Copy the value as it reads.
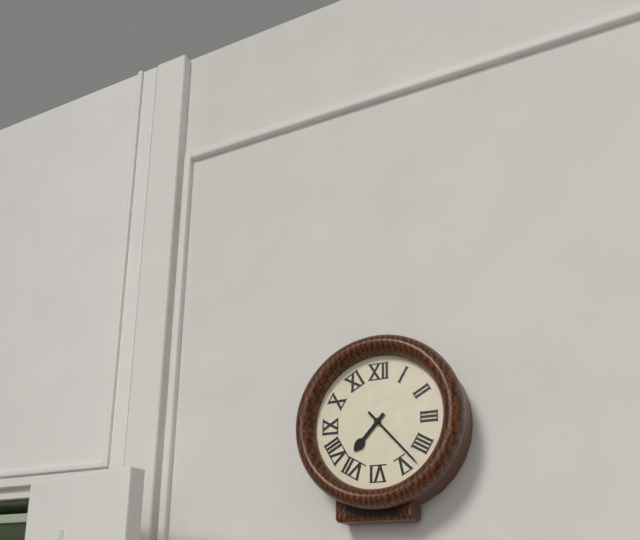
7:23
